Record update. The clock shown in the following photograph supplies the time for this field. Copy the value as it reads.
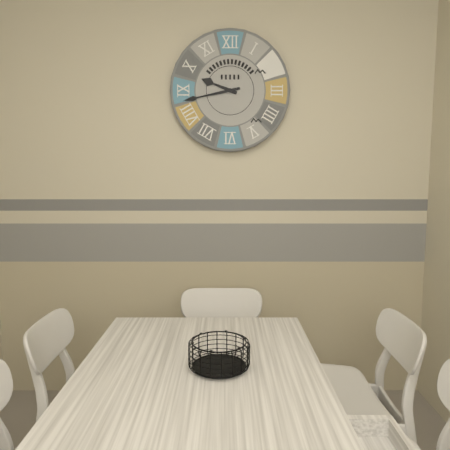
9:43
